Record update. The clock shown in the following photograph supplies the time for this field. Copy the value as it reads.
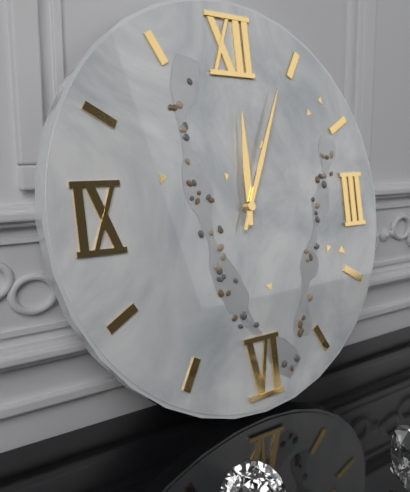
12:04
